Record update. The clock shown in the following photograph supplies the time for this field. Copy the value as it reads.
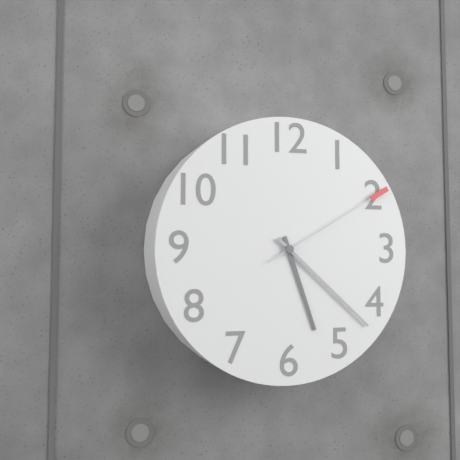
5:22:10
